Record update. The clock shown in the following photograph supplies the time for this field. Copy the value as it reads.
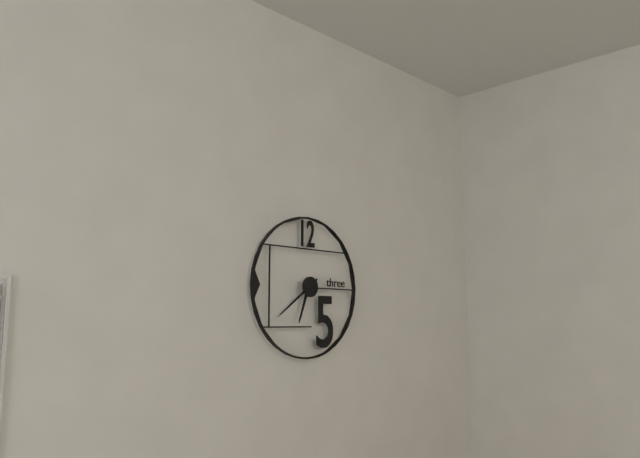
6:39
